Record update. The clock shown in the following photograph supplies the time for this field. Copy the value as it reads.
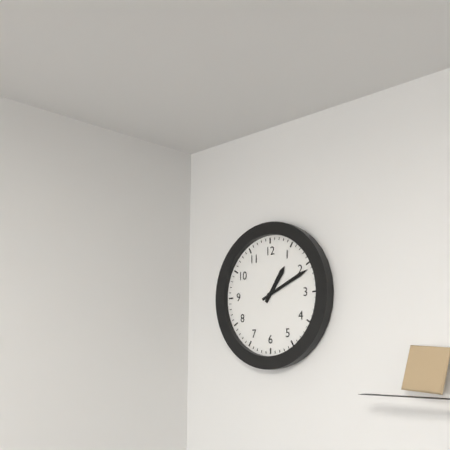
1:11
